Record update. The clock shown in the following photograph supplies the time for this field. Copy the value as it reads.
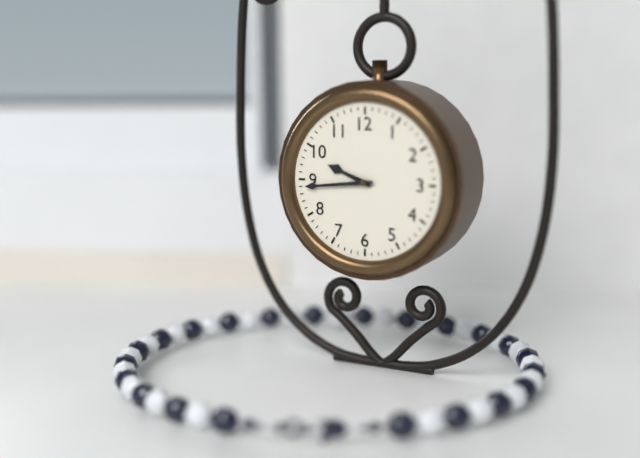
9:44
